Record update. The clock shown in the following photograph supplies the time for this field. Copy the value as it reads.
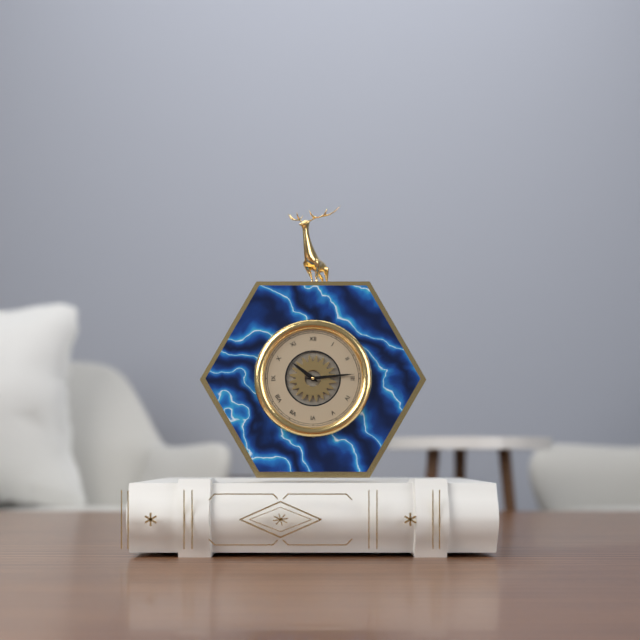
10:14
